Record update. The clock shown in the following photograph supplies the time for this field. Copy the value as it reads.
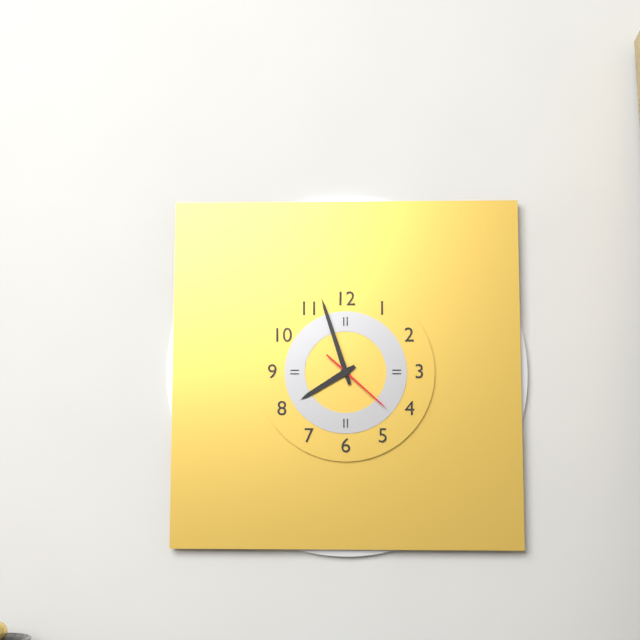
7:57:22
